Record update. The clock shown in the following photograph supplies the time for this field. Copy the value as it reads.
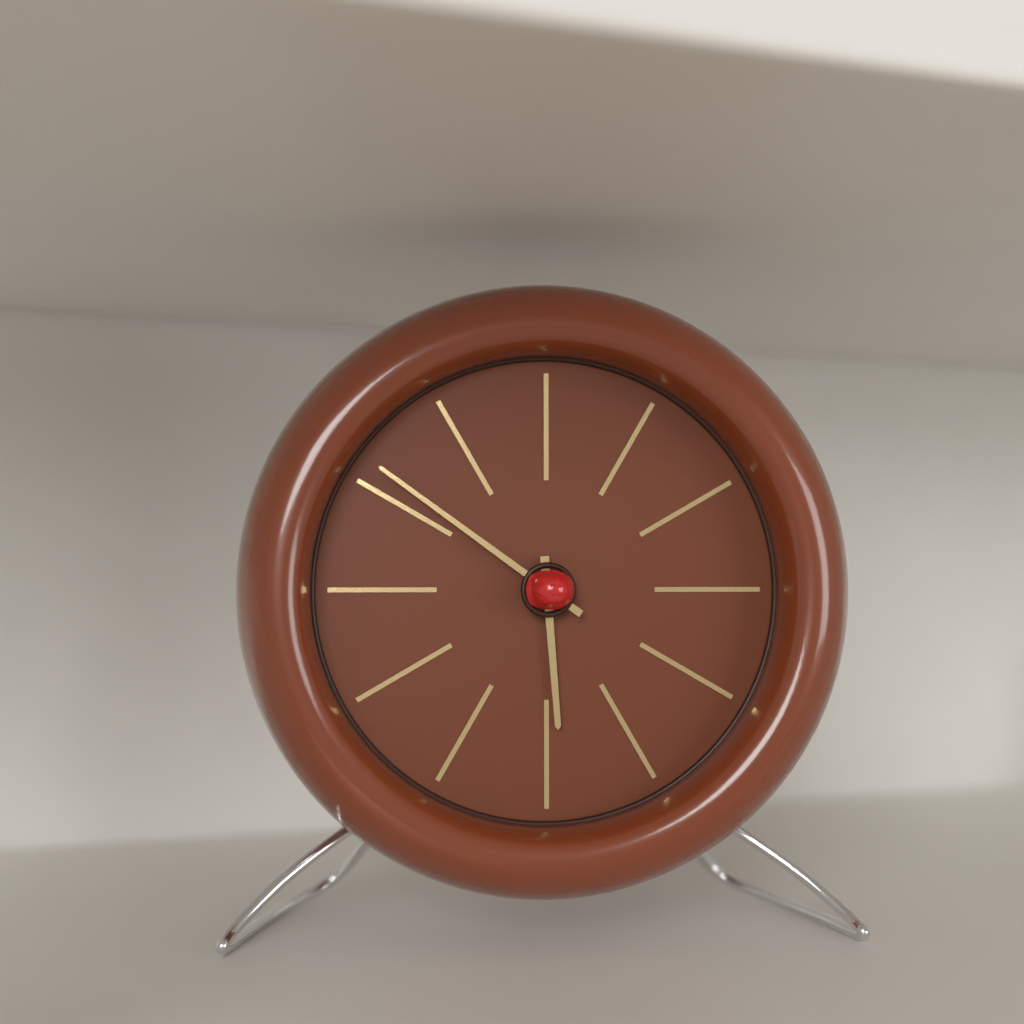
5:51
